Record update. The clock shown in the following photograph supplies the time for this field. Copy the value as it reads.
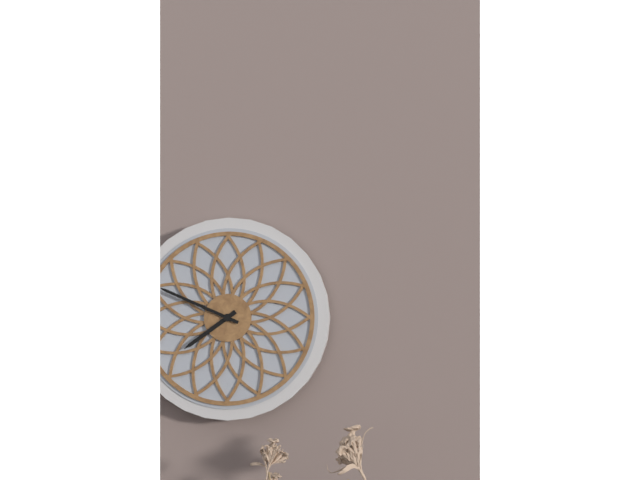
7:49
